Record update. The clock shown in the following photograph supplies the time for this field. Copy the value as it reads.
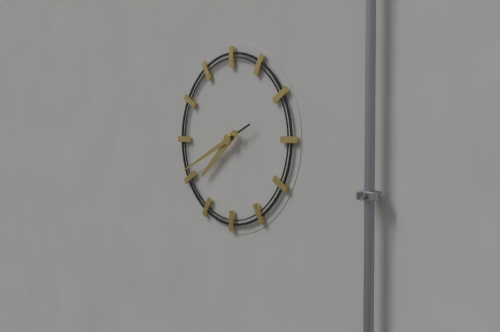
7:41
